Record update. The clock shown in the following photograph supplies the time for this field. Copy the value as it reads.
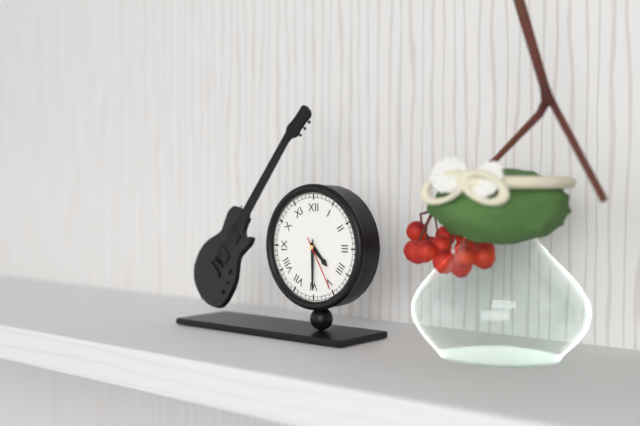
4:30:25
